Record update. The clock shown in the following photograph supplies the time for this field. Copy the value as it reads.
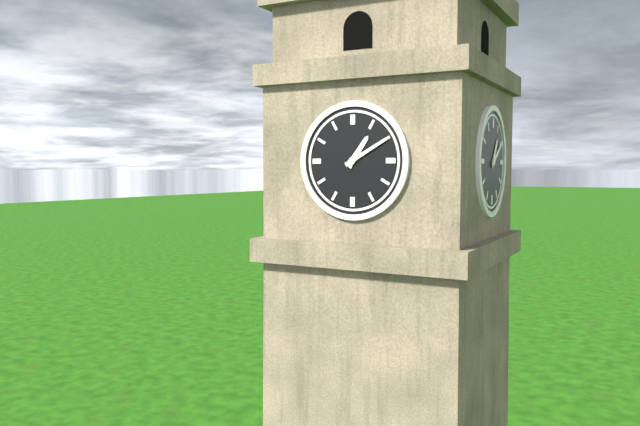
1:10
